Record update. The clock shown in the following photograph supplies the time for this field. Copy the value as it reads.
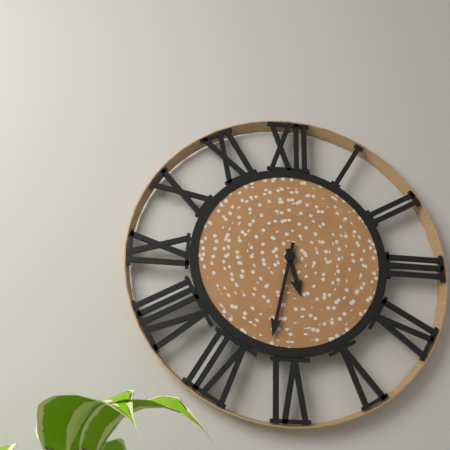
5:32
